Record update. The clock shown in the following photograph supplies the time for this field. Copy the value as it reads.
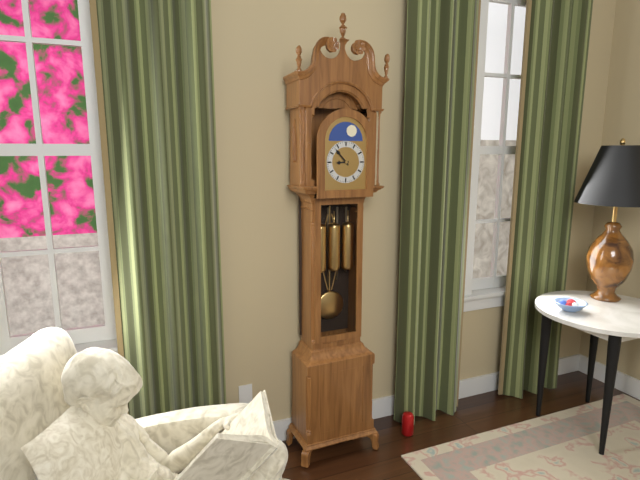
8:53
